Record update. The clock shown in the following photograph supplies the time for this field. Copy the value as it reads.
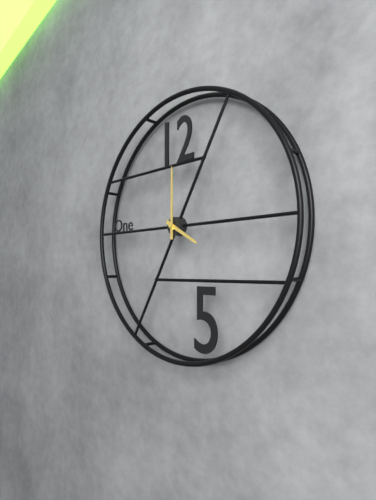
4:00
